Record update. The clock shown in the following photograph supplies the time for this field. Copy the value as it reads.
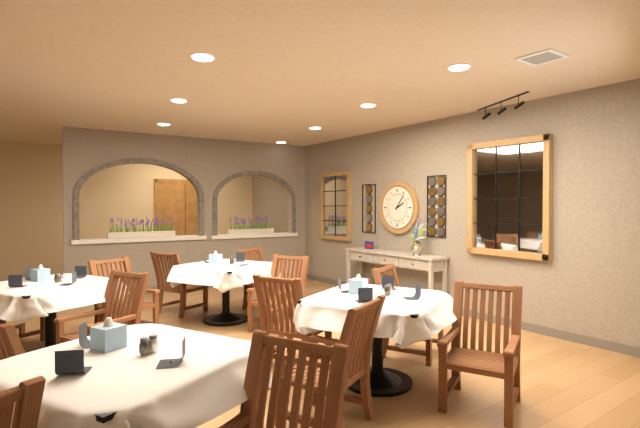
2:06
